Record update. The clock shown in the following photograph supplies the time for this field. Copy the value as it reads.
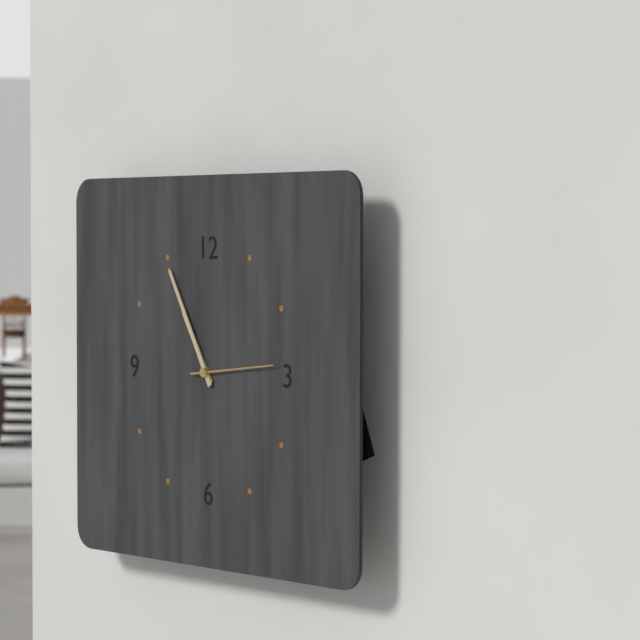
10:55
